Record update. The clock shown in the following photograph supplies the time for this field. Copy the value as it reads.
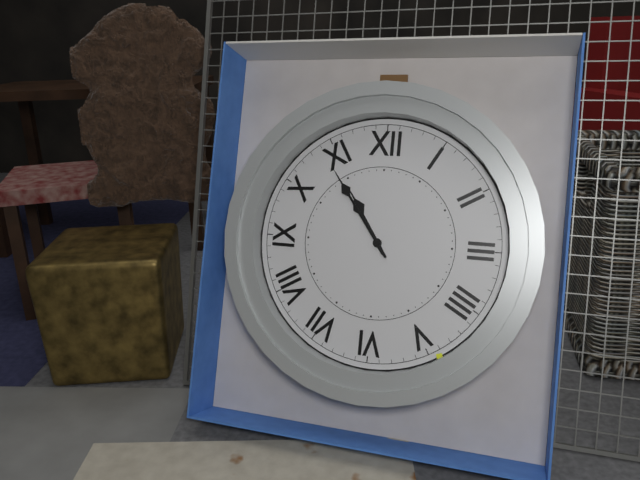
10:54
